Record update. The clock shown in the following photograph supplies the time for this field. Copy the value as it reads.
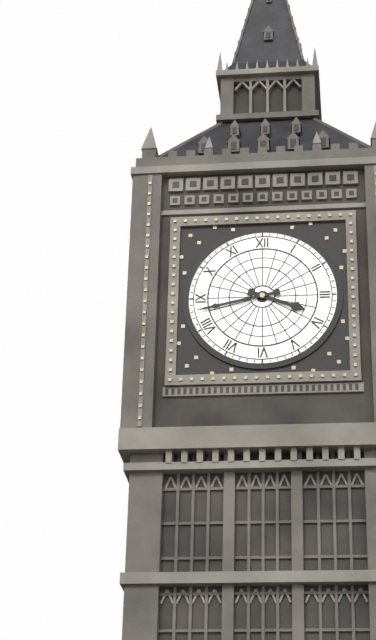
3:43
